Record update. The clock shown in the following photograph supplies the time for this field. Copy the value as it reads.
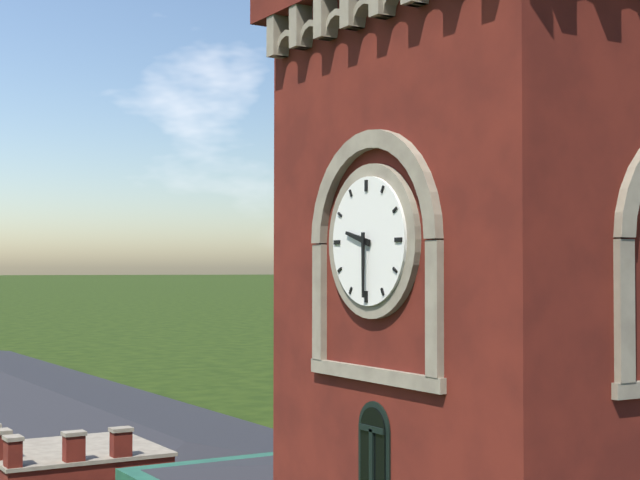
9:30
